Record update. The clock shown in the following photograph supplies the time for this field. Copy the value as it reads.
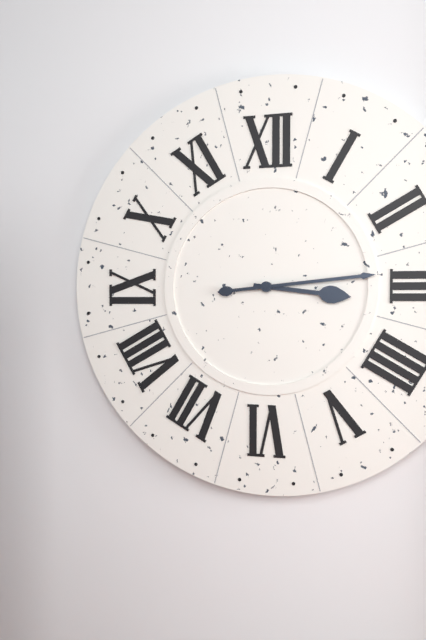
3:14
